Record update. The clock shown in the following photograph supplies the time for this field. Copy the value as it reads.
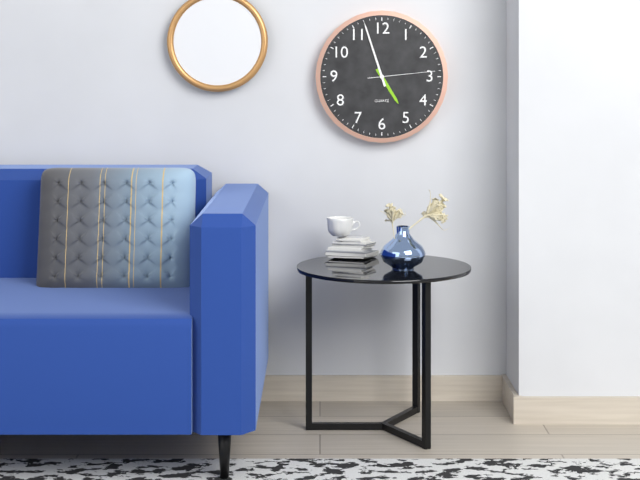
4:57:14
